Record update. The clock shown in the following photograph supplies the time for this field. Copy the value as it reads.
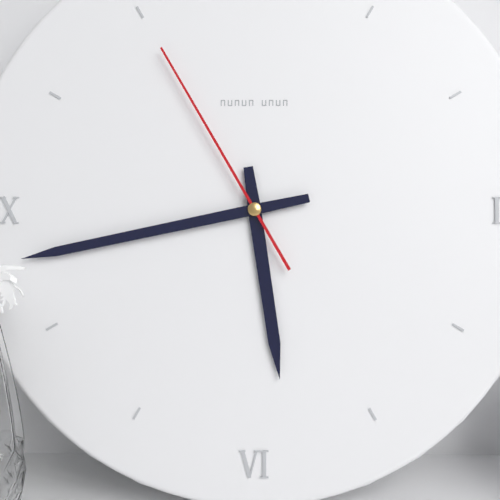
5:43:55
